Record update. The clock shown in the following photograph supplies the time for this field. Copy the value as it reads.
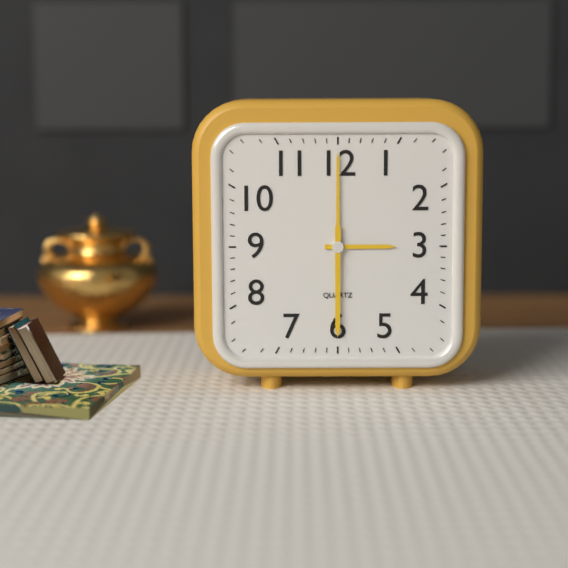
3:00:30
